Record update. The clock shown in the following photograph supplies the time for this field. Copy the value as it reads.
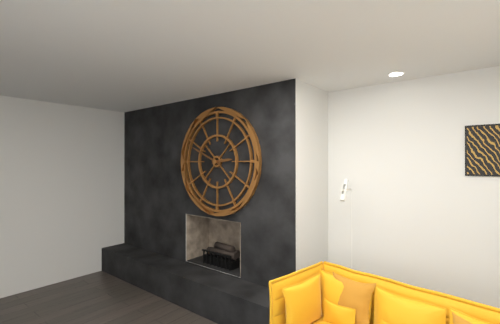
2:49
